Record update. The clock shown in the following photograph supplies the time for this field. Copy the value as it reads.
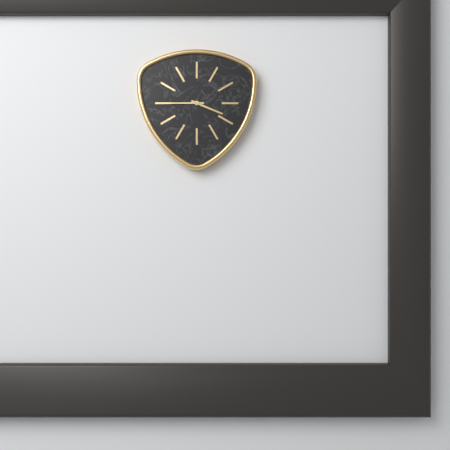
3:45
